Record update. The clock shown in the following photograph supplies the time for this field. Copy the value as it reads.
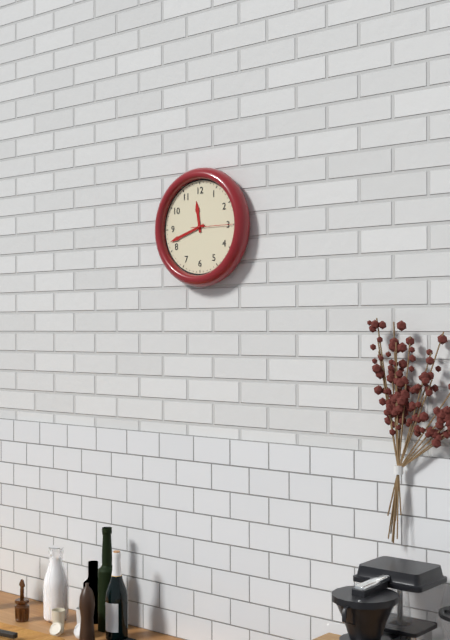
11:42
